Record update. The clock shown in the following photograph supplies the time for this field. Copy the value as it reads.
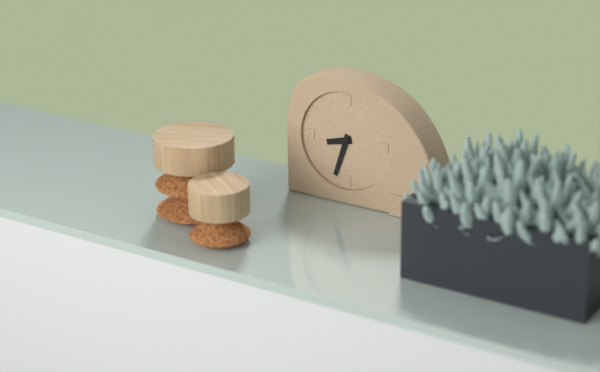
8:33
